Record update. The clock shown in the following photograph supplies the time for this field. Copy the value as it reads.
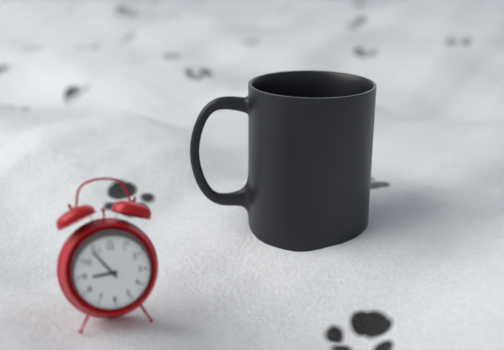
8:54
